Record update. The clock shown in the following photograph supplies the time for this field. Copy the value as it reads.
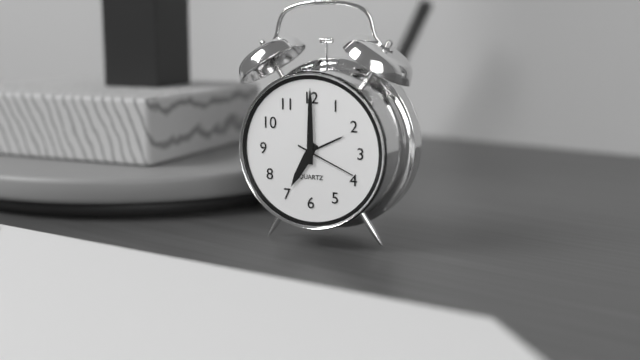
7:00:19
